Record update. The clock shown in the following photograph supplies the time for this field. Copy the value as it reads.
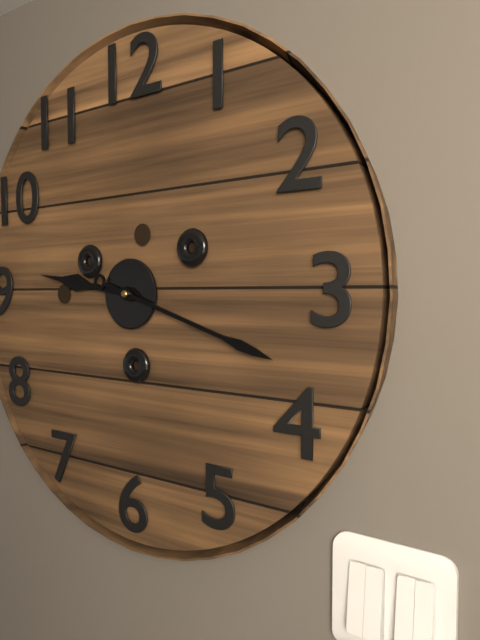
9:18
